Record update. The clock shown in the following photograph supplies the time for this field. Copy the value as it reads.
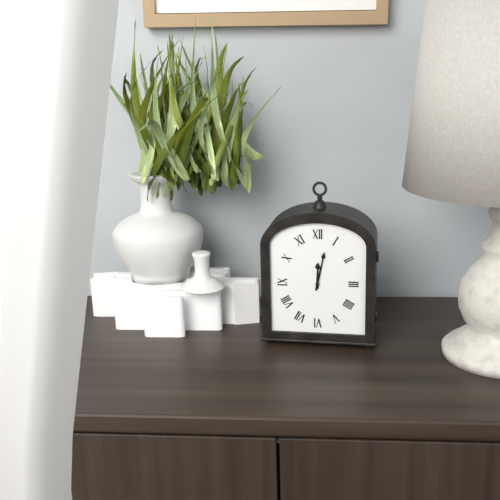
12:02
